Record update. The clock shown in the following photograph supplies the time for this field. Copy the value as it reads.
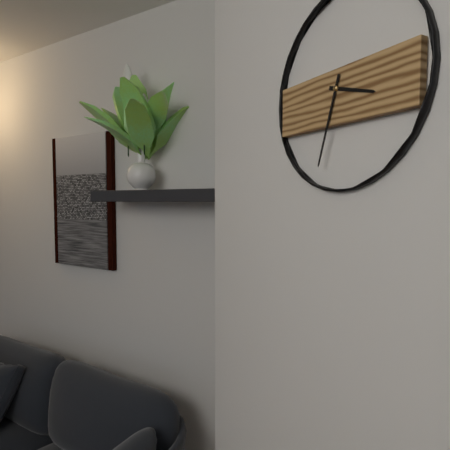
3:33
